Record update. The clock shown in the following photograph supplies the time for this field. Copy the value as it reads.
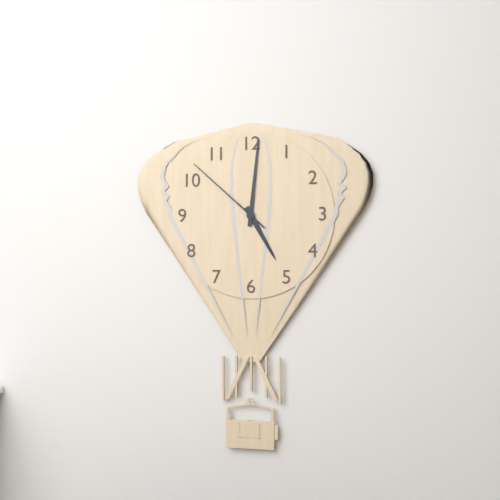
5:01:52
